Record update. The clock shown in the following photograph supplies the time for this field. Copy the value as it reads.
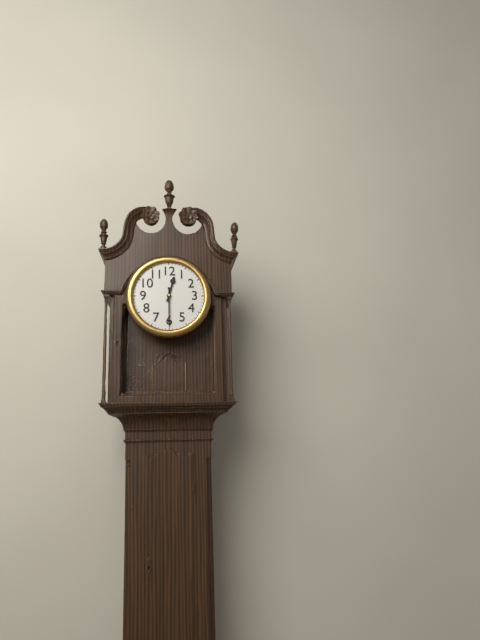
12:30
